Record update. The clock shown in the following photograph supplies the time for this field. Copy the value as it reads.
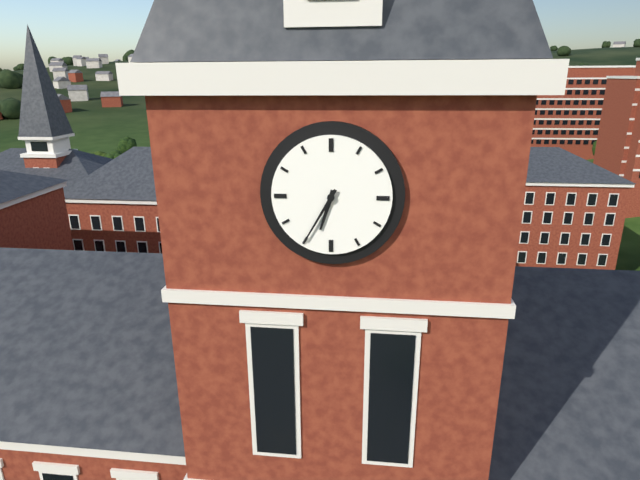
6:35
